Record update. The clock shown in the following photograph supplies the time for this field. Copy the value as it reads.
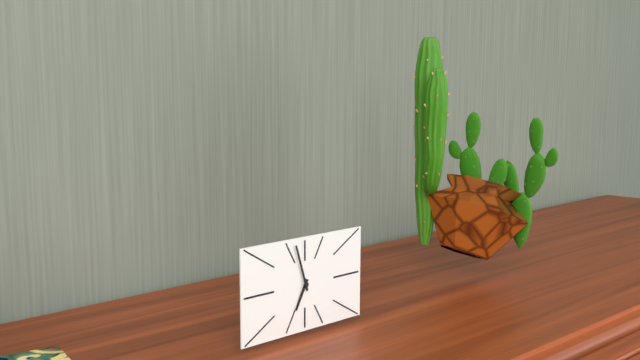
6:57
